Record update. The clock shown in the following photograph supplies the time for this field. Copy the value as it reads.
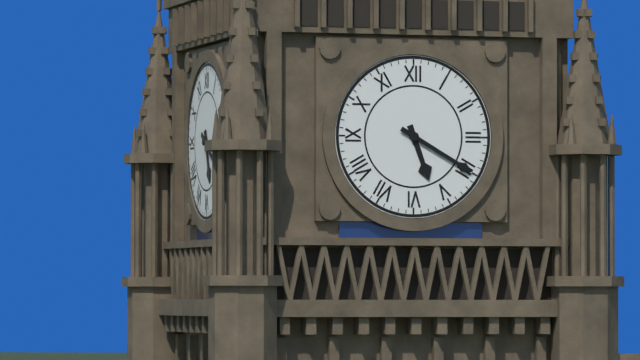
5:20
